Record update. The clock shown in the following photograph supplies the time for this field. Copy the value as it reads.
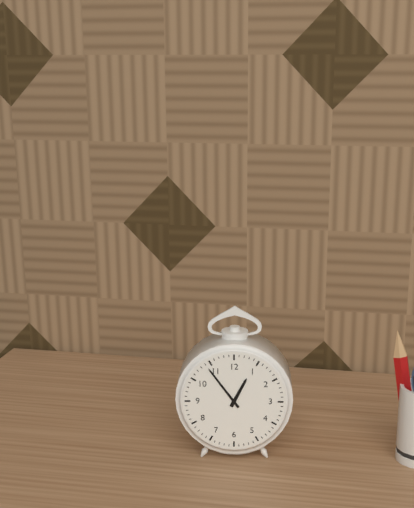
12:54
